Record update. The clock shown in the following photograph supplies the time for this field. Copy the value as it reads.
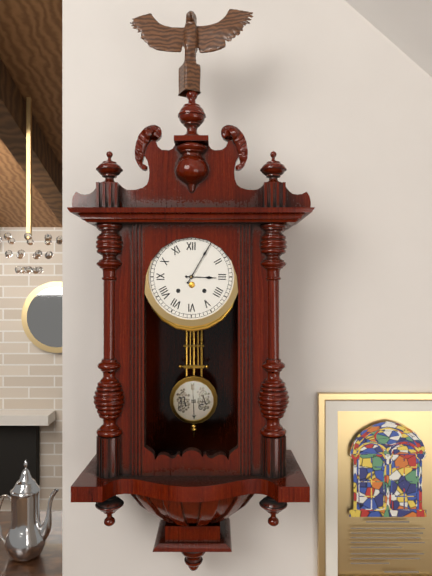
3:05
